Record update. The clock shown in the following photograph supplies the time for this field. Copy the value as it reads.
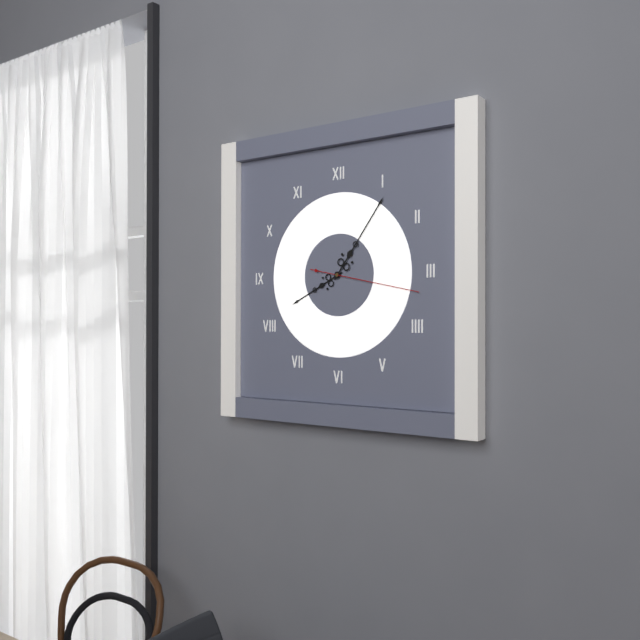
8:06:17
